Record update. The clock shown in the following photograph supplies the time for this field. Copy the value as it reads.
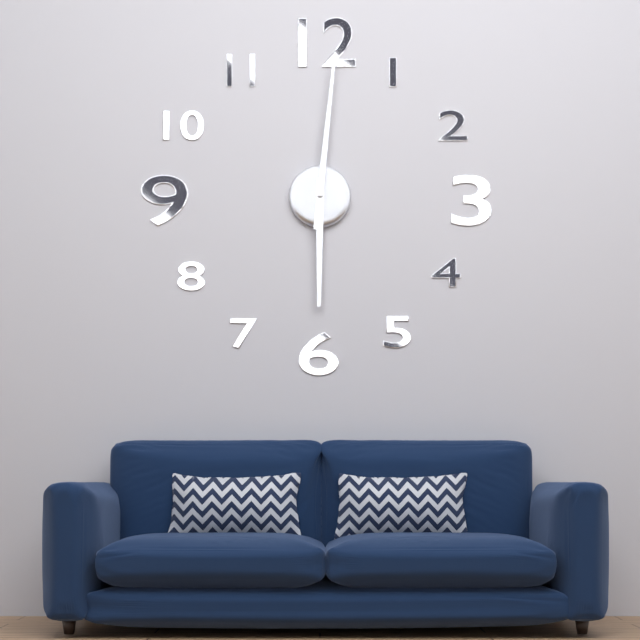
6:01
